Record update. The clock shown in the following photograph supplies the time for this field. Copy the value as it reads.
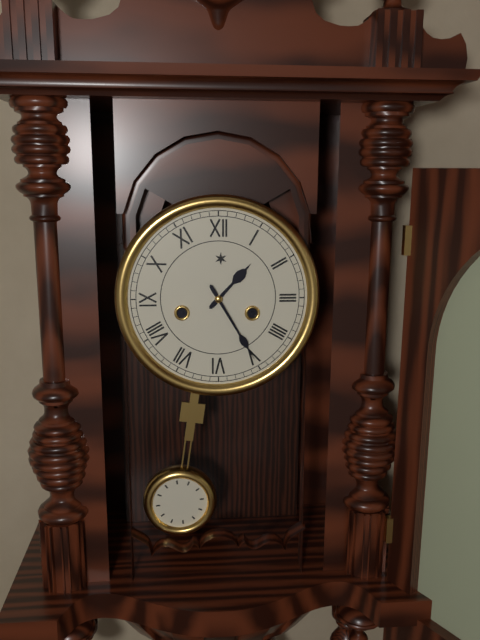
1:25
